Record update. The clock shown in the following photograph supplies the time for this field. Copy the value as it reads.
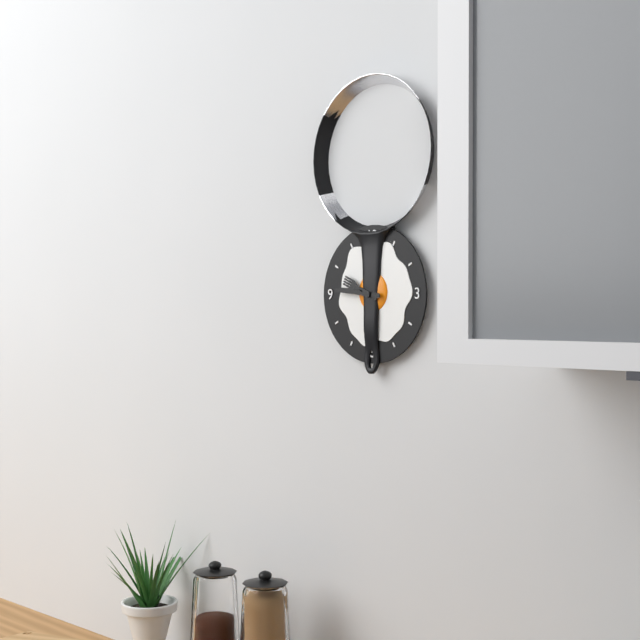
9:46
